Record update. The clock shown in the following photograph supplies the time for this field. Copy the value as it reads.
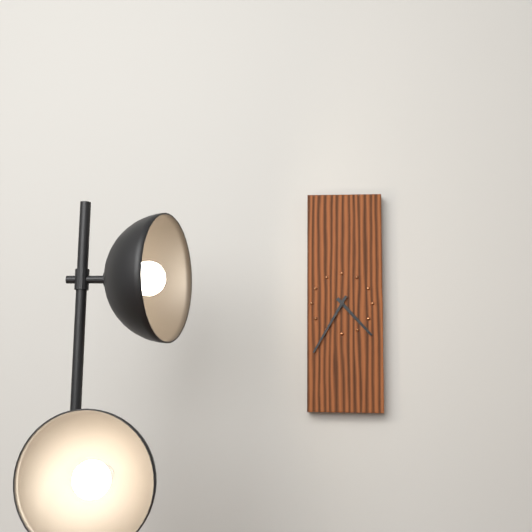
4:35
